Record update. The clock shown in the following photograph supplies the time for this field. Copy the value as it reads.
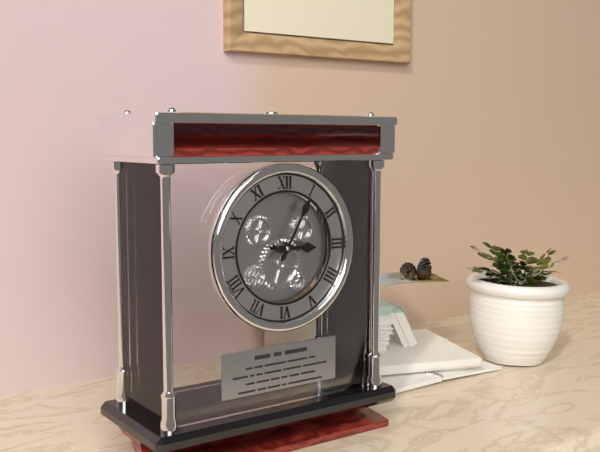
3:05
